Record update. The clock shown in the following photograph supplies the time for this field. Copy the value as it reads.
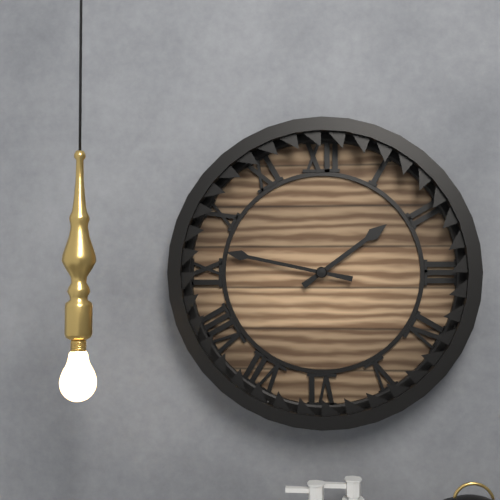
1:47
